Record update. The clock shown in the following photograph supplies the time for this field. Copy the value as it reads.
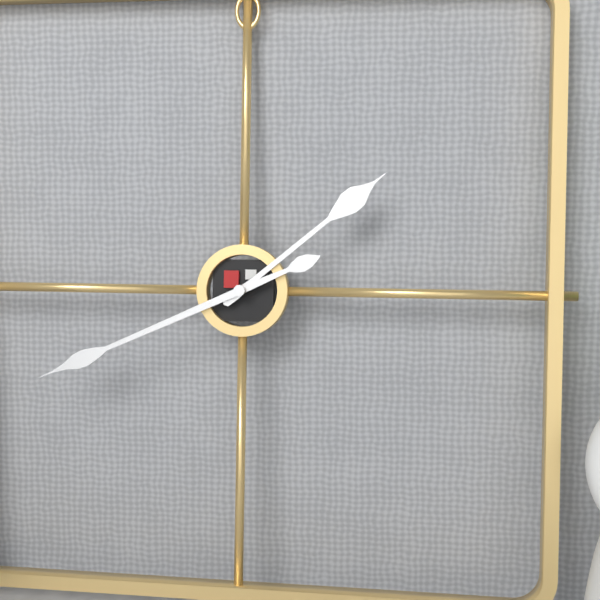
1:41
